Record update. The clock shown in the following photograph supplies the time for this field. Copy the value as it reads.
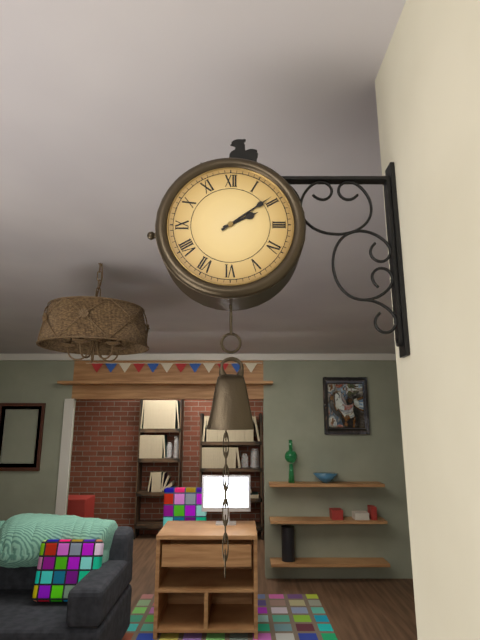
2:09
